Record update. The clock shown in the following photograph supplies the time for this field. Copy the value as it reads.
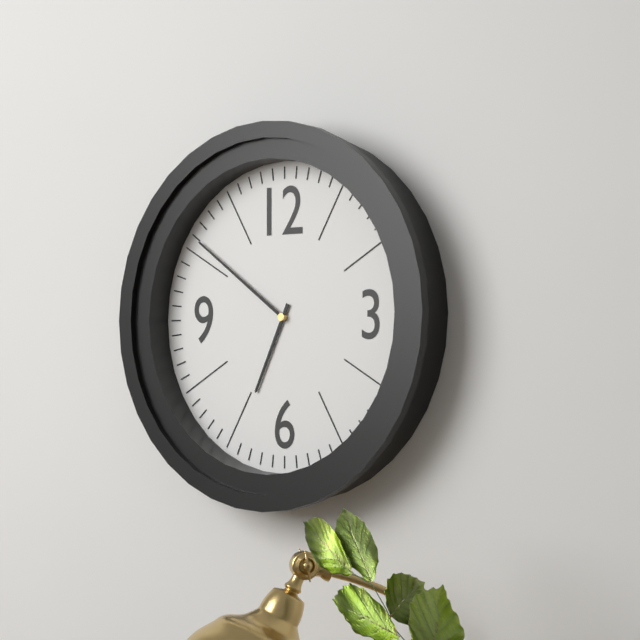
6:51
